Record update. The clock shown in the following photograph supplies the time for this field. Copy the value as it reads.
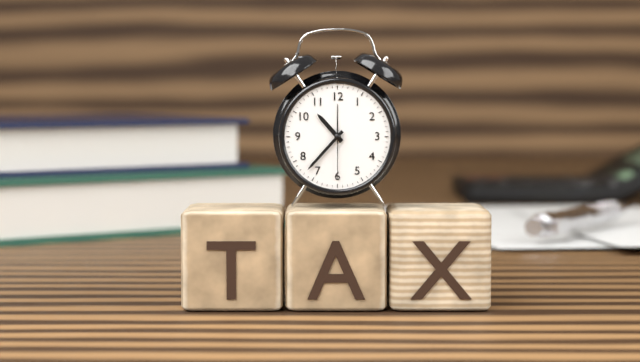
10:37:30
